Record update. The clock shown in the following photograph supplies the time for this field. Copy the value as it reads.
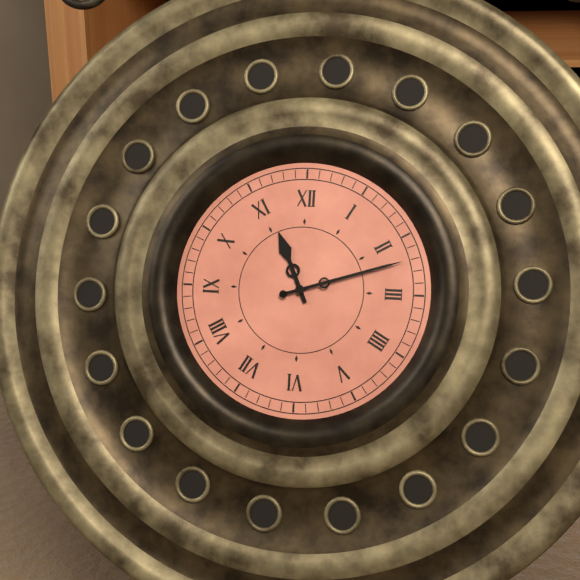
11:12
